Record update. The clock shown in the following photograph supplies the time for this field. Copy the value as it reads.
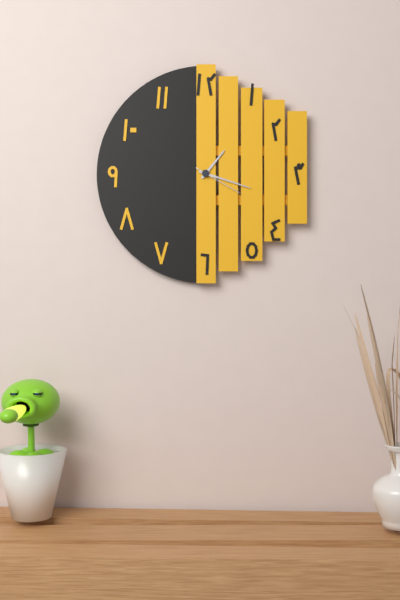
1:18:20
